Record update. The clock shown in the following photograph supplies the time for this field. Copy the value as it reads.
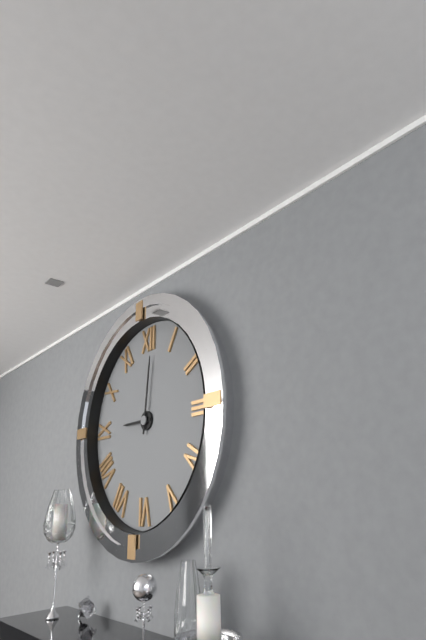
9:01
